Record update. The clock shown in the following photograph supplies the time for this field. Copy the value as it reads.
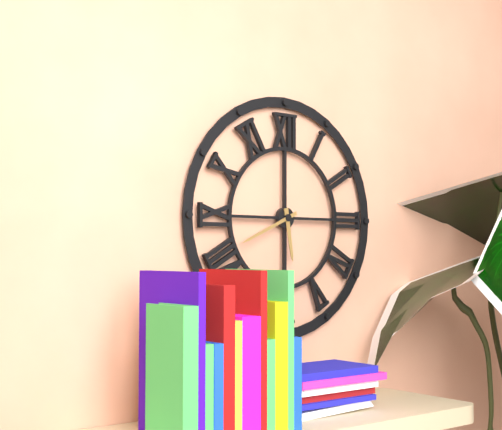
5:41
